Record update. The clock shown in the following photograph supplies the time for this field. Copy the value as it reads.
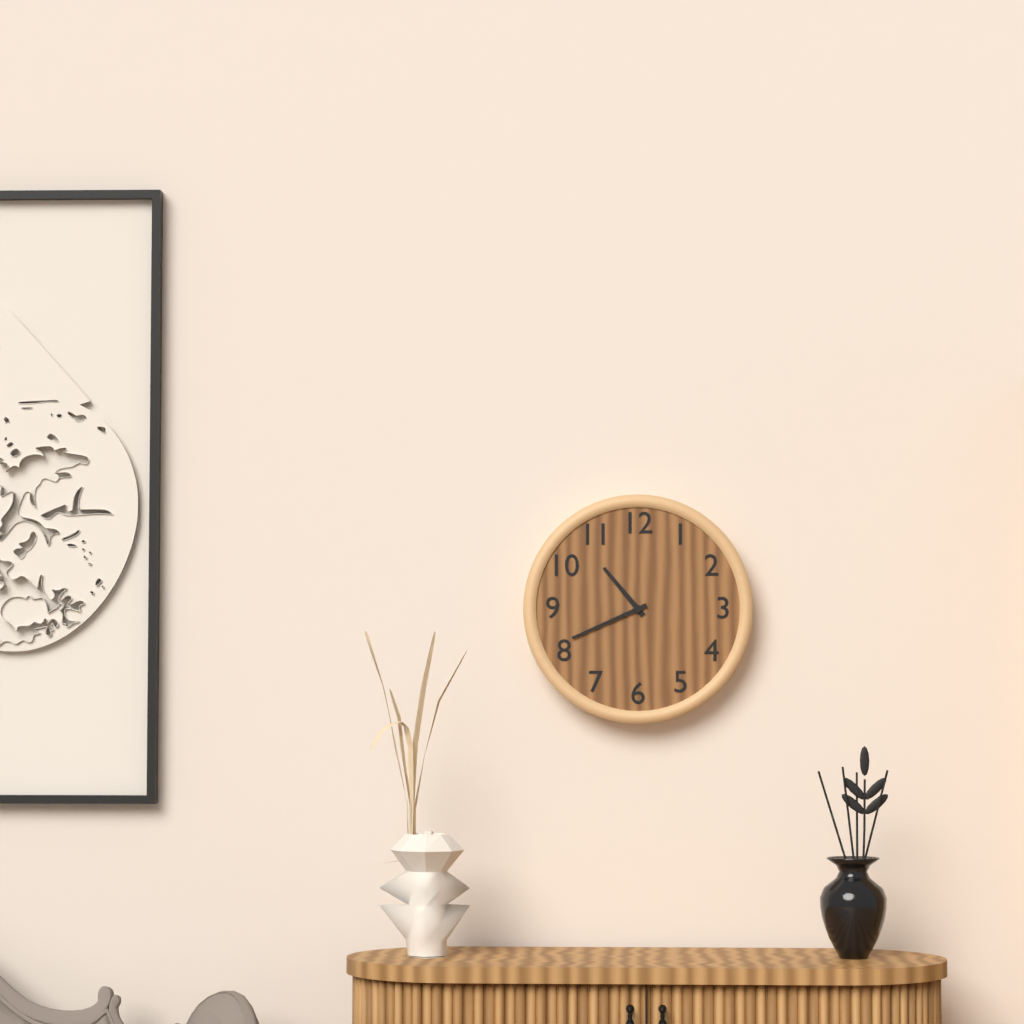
10:41
